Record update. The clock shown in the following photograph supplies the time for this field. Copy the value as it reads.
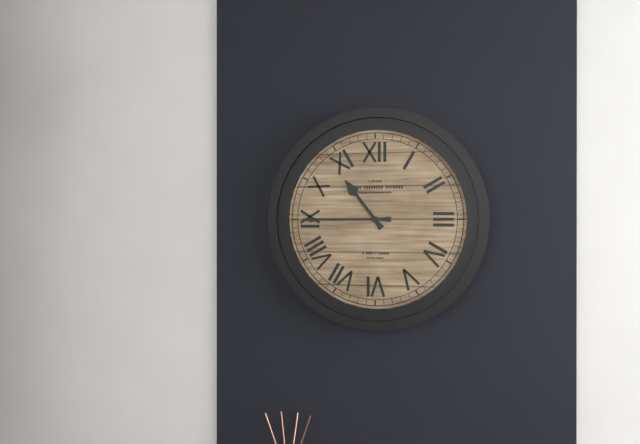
10:45
